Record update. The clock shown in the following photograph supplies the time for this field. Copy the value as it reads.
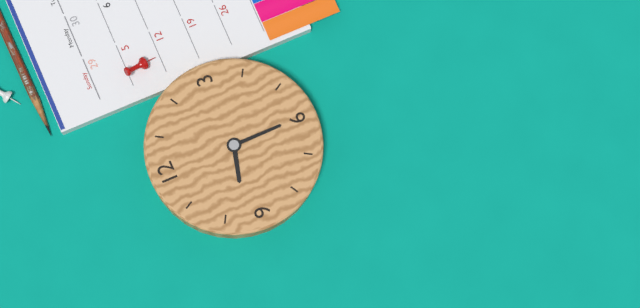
9:30
